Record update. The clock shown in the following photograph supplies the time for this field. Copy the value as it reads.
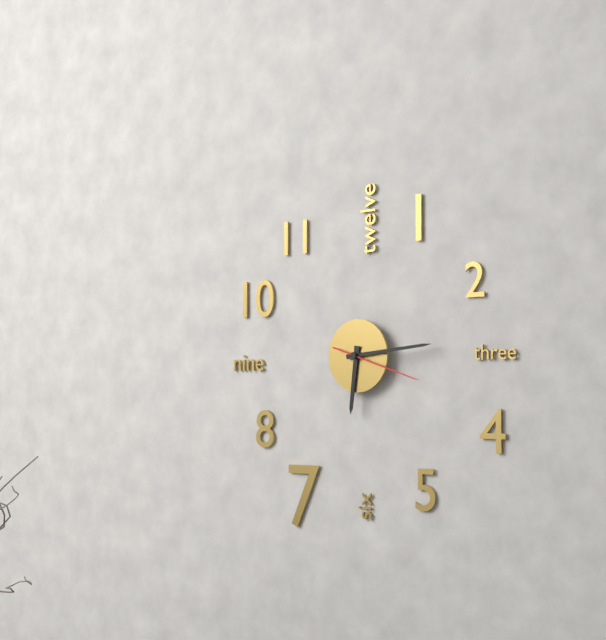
6:14:18
